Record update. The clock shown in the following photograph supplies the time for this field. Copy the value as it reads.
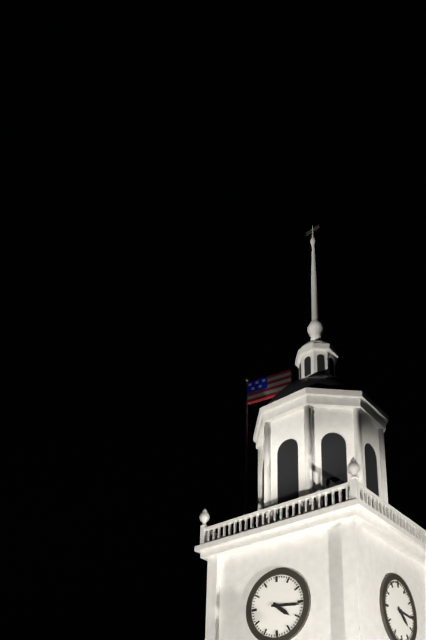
4:16
